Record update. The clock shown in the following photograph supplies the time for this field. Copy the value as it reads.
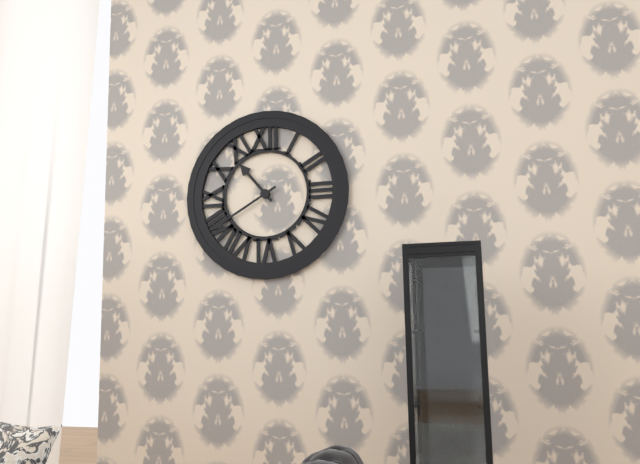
10:40
